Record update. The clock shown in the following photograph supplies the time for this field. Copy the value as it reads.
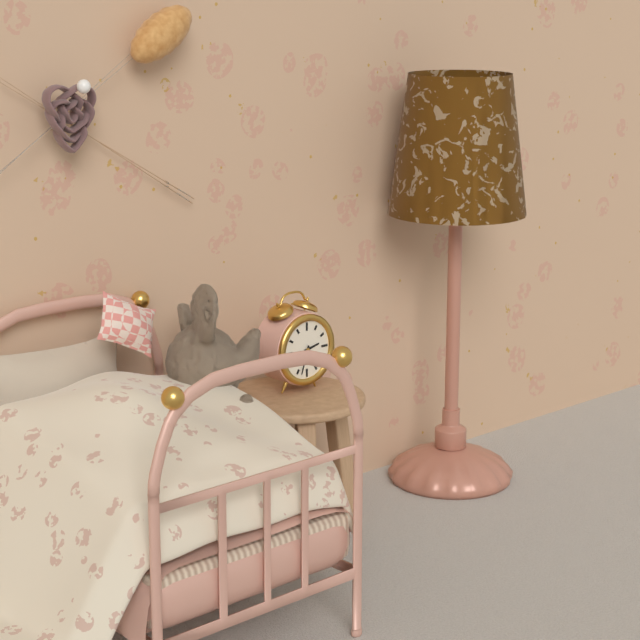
2:33
